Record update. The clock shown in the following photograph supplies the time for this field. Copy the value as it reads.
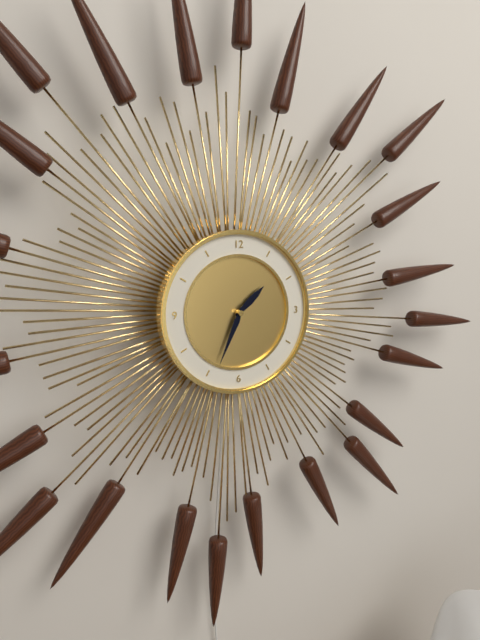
1:34
